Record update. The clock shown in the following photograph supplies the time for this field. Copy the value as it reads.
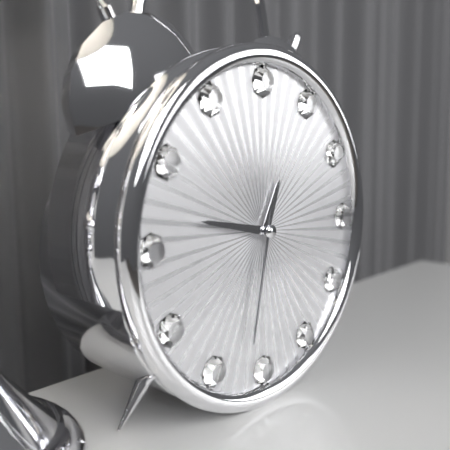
12:47:32
